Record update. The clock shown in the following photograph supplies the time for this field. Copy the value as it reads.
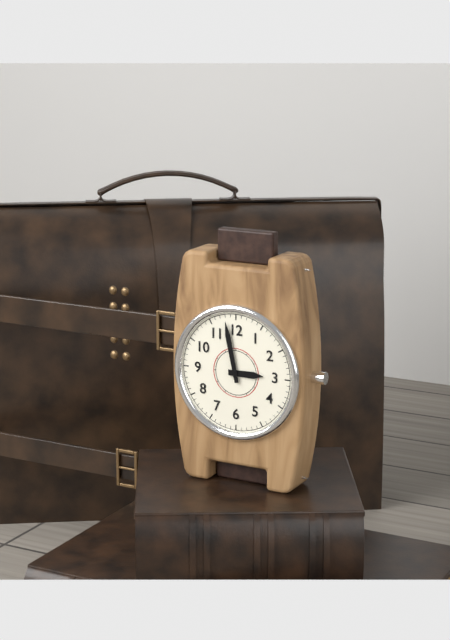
2:58
